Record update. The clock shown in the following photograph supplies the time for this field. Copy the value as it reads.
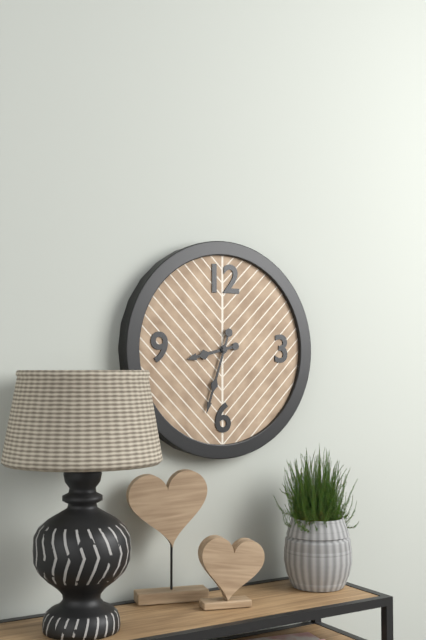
8:33
